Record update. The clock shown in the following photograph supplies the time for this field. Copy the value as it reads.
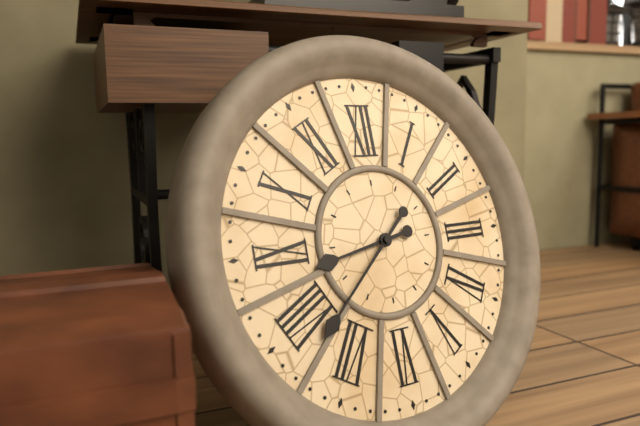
8:38
